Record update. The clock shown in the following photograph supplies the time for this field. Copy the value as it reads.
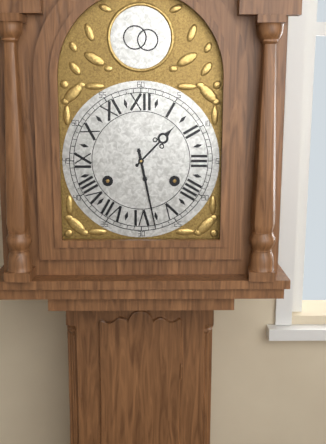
1:28
